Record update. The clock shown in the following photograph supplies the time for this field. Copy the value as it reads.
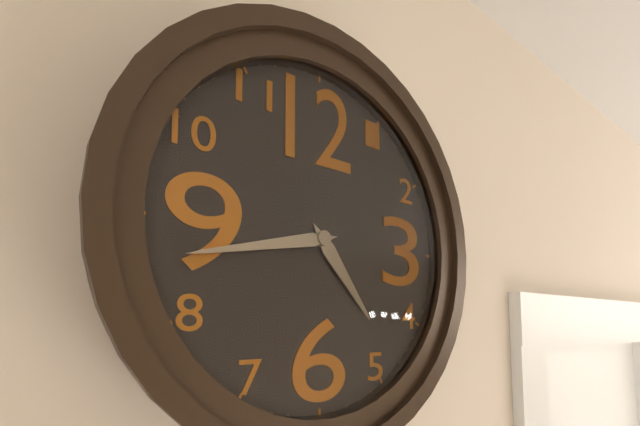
4:43
